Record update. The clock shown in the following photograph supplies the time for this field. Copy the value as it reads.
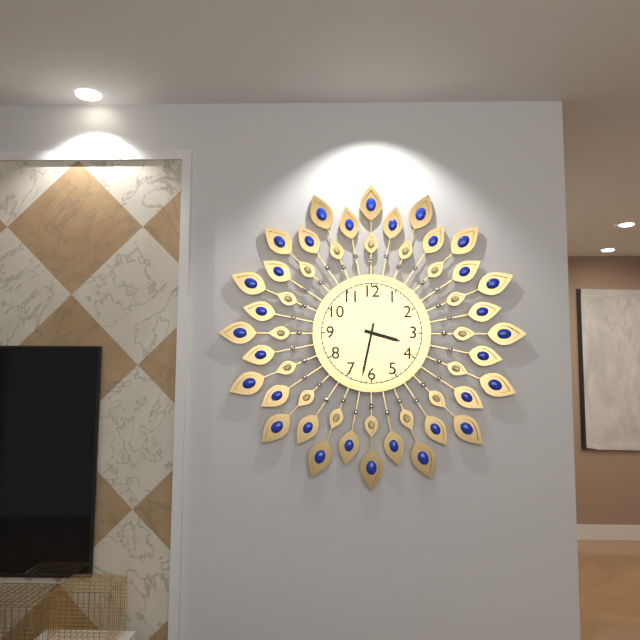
3:32
